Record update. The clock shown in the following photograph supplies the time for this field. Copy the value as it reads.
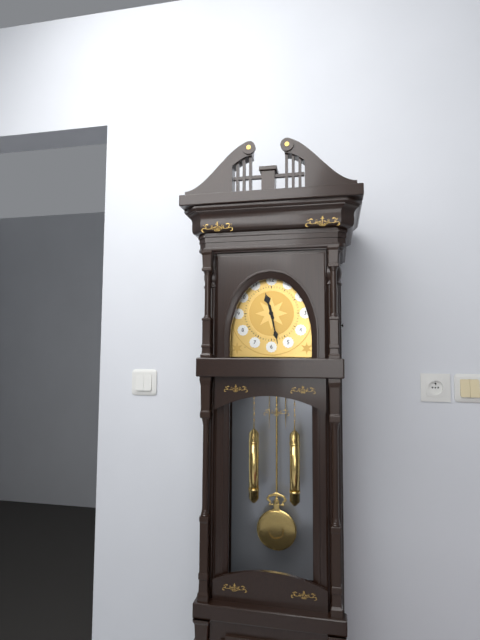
11:28
